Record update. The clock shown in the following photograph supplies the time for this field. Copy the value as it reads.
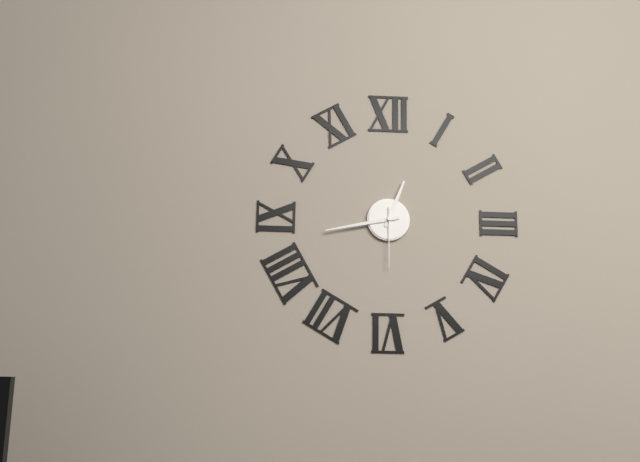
12:43:30
